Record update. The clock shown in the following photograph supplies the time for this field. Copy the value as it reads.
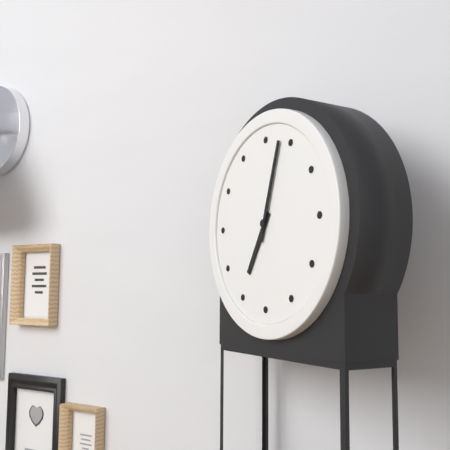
7:03
